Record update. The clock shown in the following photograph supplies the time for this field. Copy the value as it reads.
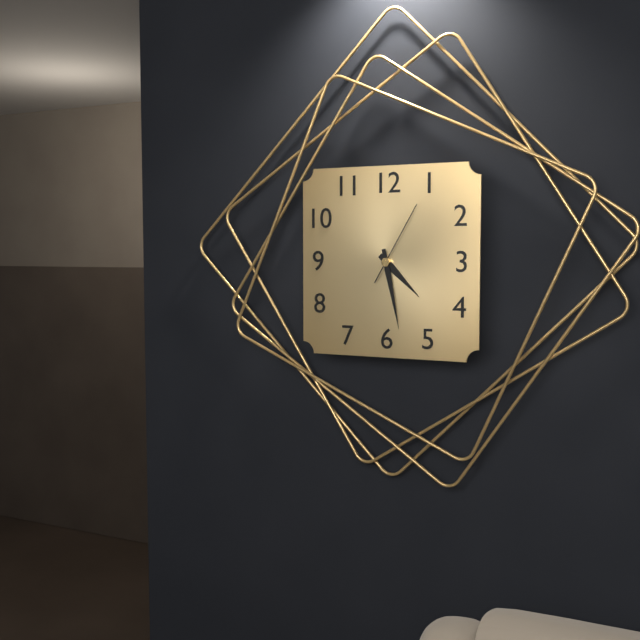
4:28:05
